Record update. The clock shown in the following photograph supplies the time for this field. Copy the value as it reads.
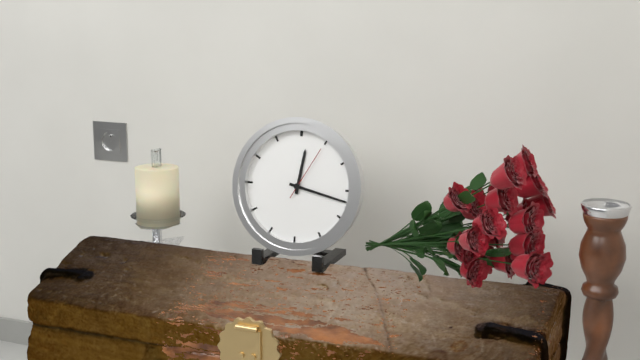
12:17:05
